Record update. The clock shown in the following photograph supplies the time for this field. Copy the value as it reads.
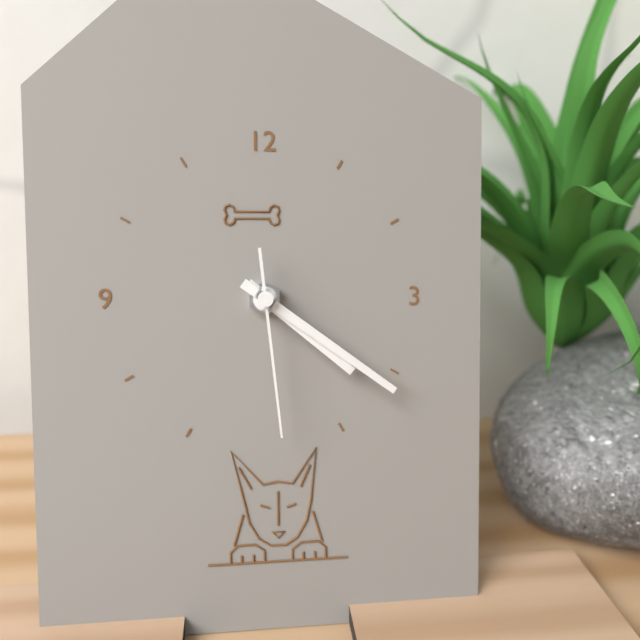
4:21:29
